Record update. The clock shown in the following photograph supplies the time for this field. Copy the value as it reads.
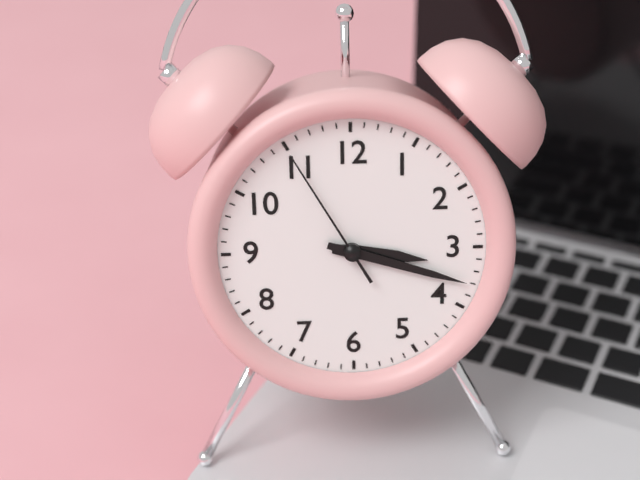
3:18:55
